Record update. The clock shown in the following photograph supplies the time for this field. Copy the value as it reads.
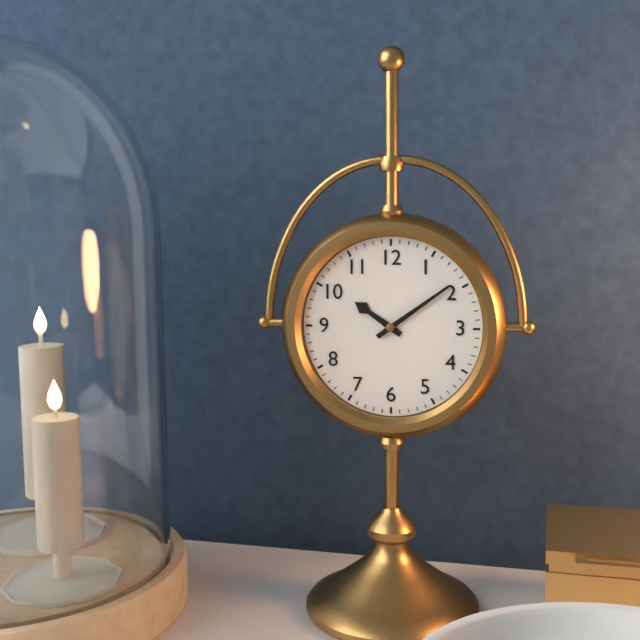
10:09
